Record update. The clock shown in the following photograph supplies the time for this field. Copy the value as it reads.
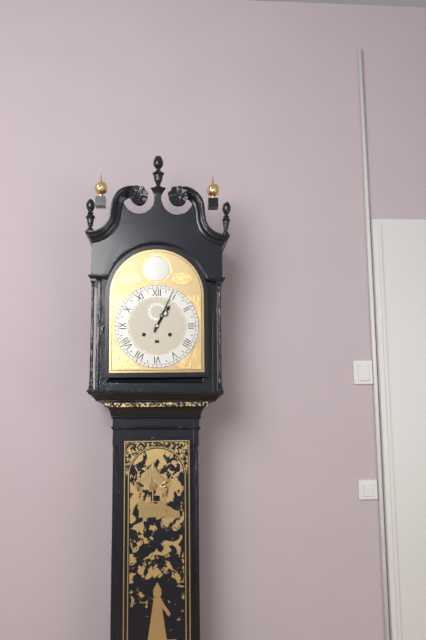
1:04
